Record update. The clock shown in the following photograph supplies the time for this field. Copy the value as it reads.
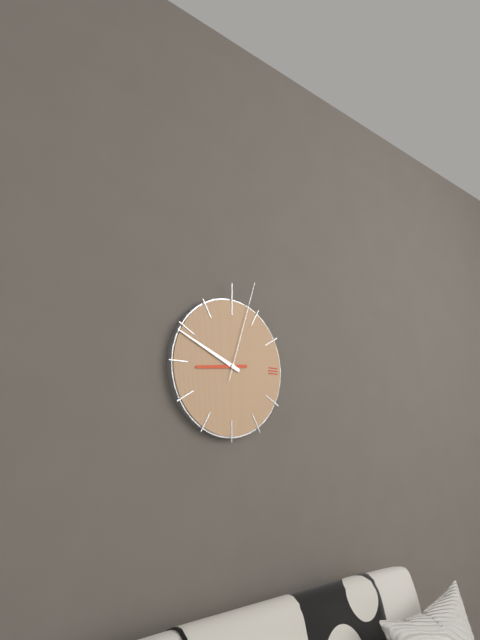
8:49:03
